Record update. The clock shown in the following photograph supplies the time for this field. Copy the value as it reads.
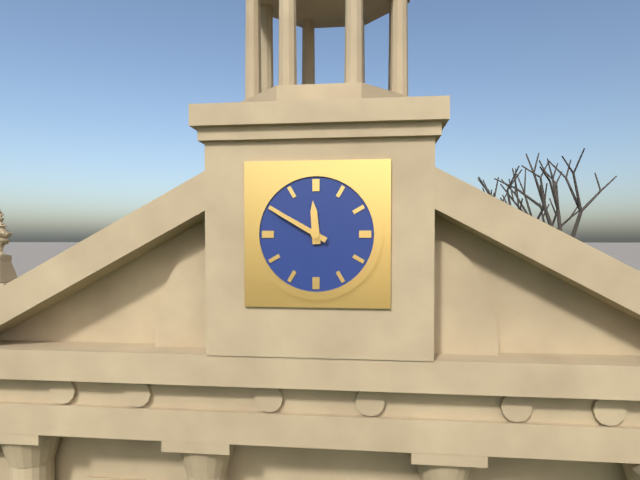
11:50
